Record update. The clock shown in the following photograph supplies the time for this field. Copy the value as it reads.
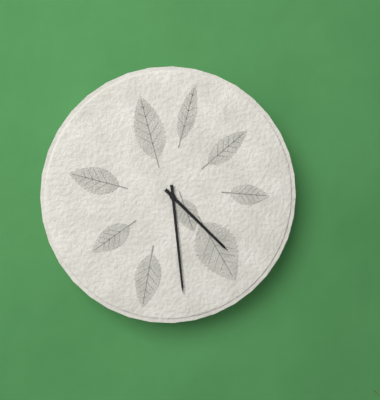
4:29
